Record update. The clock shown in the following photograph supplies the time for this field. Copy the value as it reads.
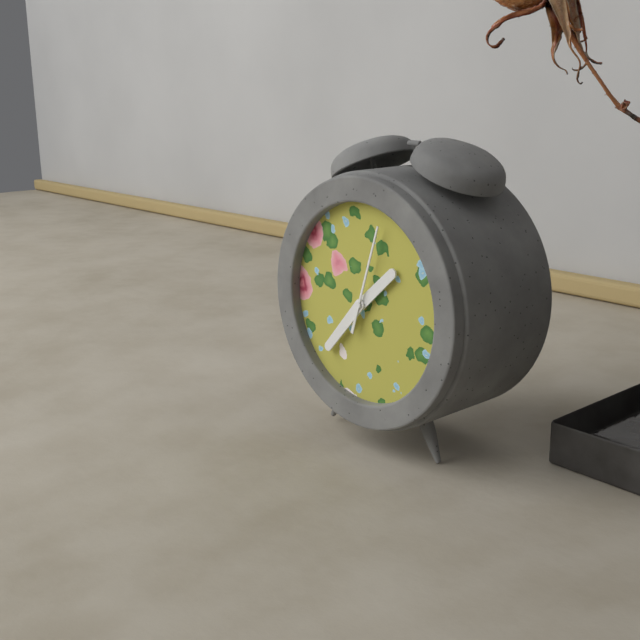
1:37:03
